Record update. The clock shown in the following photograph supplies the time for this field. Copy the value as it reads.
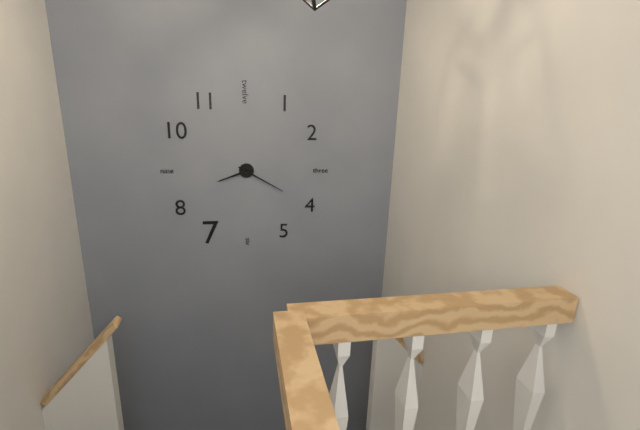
8:20
